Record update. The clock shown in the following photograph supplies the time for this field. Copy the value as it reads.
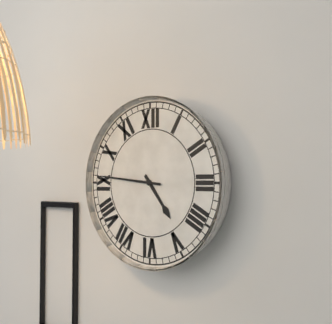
4:46
